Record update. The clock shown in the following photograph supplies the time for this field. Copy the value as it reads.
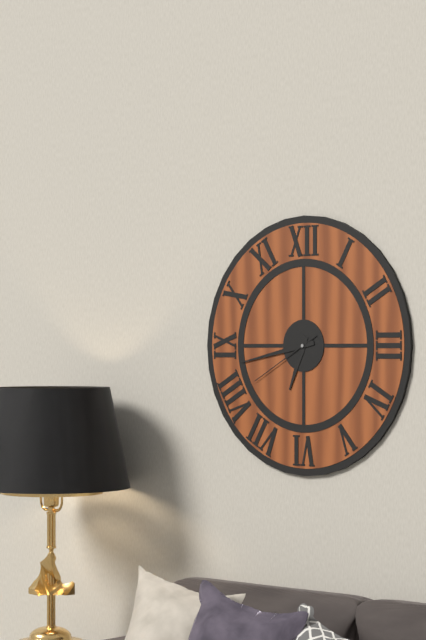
6:43:40
